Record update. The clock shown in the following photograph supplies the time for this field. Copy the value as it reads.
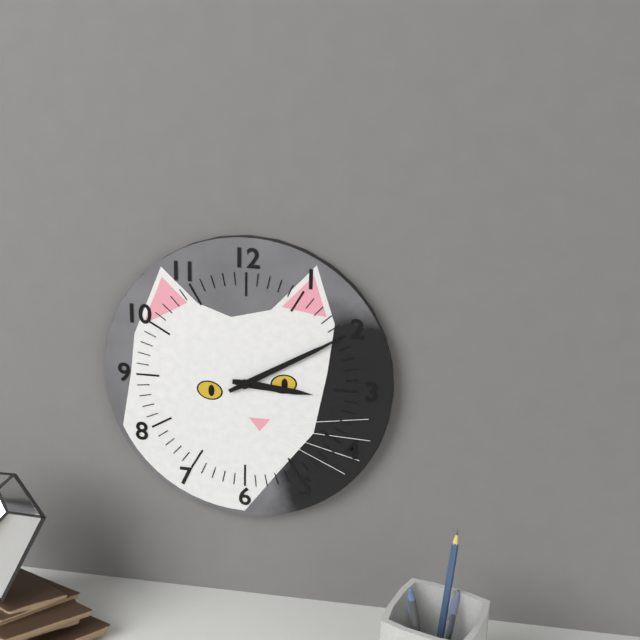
3:10
